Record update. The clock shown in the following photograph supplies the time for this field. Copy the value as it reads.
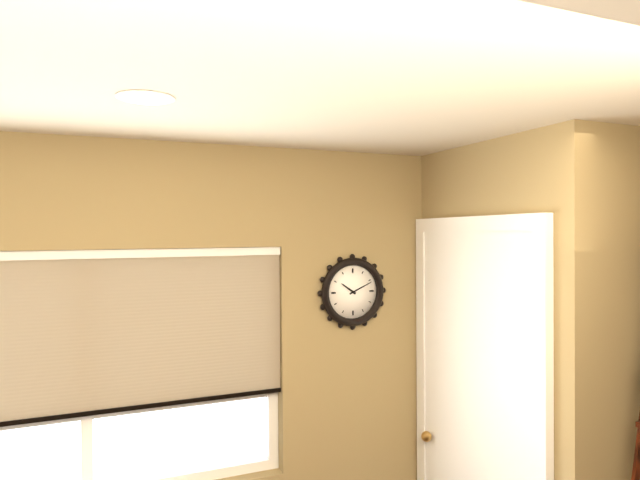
10:11
